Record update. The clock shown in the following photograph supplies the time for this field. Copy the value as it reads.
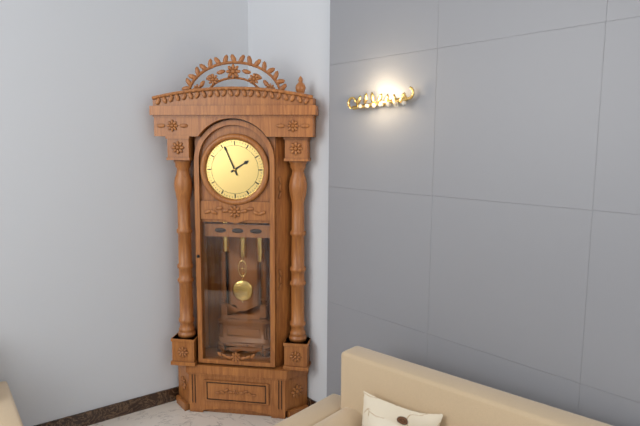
1:56
